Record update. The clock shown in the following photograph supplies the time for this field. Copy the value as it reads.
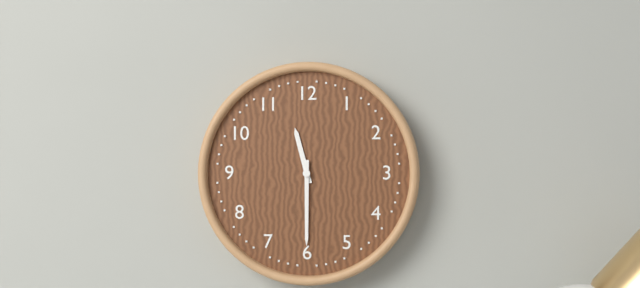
11:30
